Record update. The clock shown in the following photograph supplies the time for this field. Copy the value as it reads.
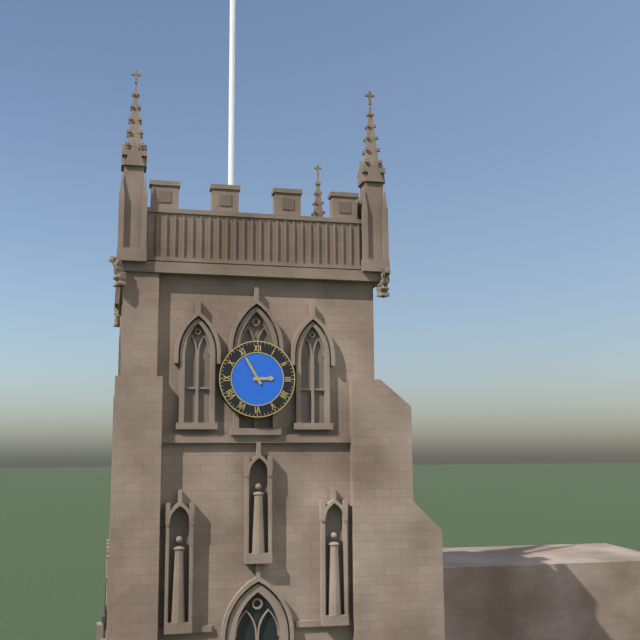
2:55
